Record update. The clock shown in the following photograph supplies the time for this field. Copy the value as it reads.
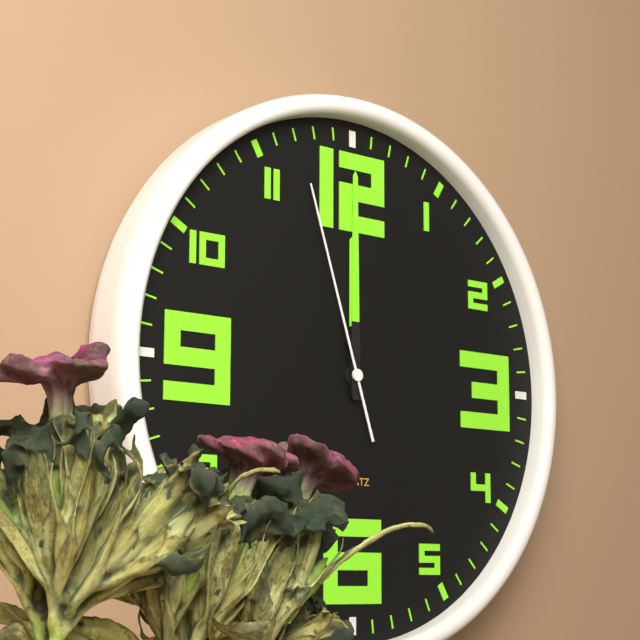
12:00:57
